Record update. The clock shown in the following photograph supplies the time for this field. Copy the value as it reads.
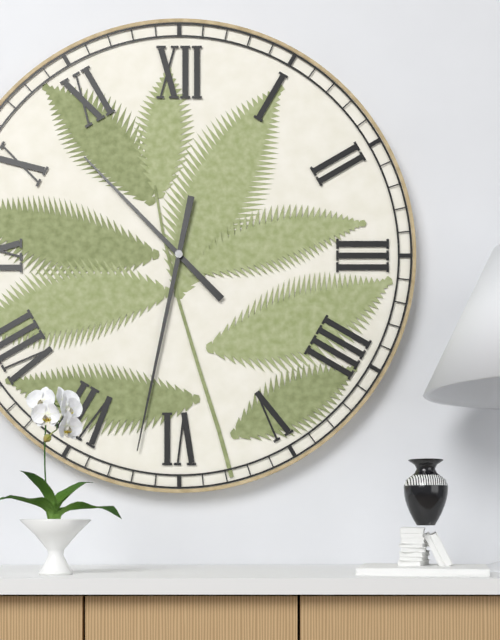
10:32
